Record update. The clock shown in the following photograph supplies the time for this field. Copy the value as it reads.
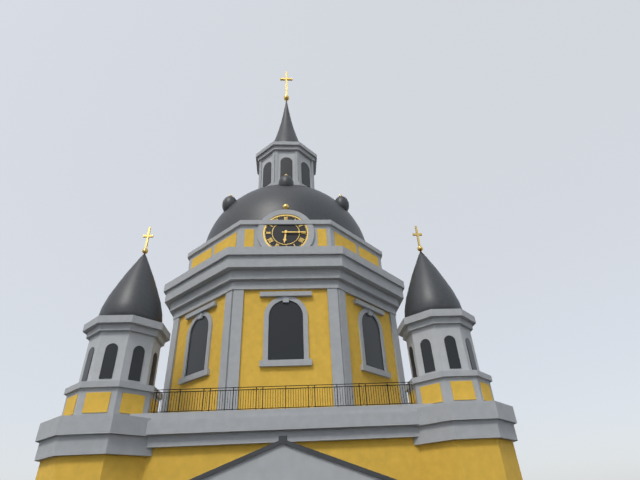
6:15
